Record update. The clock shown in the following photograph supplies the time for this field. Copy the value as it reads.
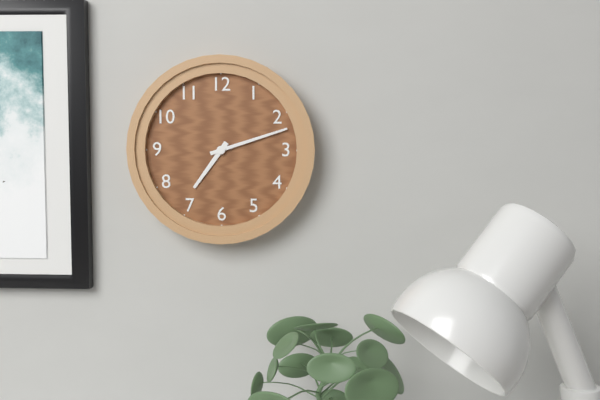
7:12
